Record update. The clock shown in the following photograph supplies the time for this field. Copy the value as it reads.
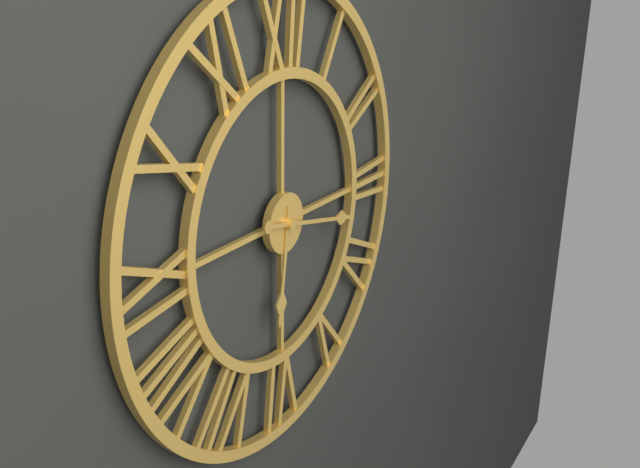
6:17
